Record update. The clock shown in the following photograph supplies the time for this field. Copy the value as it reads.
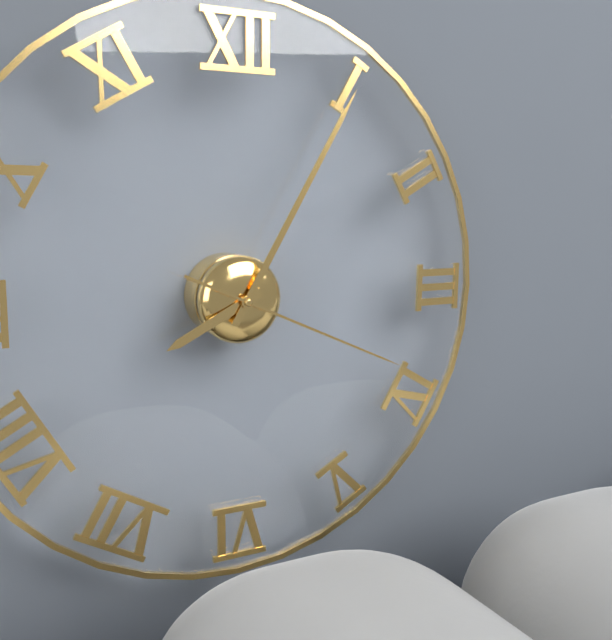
8:05:19
